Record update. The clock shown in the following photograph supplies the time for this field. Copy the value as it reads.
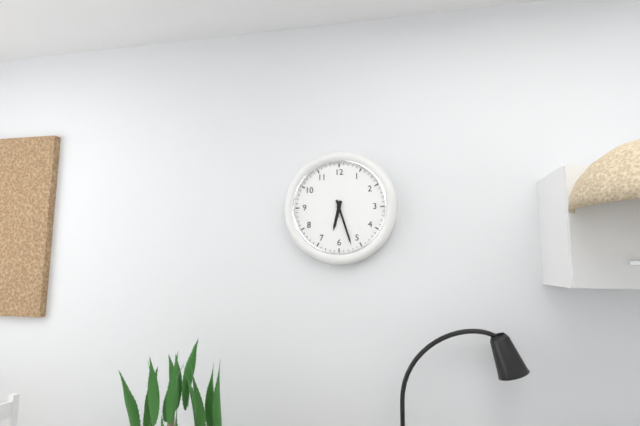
6:27
